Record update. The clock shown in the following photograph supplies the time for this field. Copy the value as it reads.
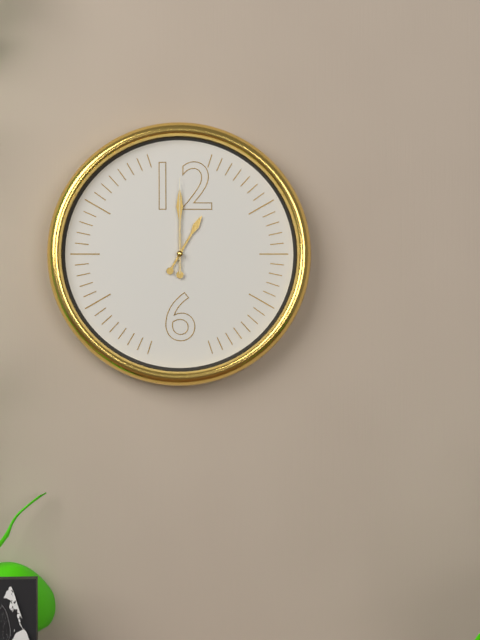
1:00:00
